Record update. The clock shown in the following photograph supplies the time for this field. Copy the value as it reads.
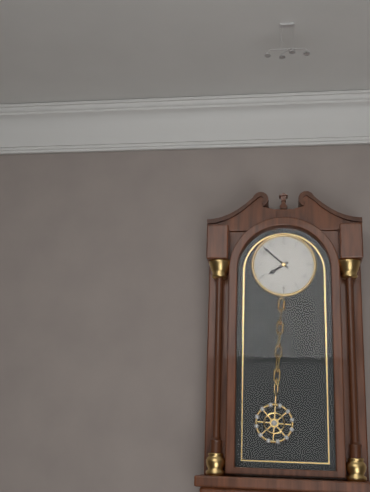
7:52
